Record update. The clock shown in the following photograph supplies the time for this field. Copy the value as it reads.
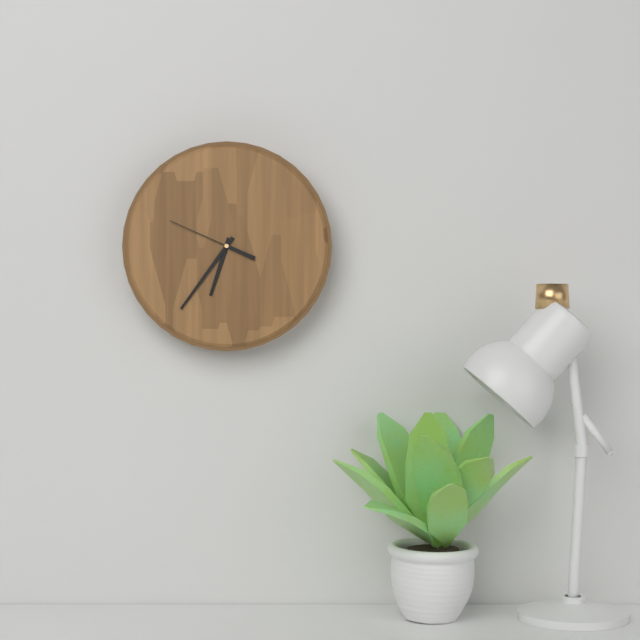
6:36:49
